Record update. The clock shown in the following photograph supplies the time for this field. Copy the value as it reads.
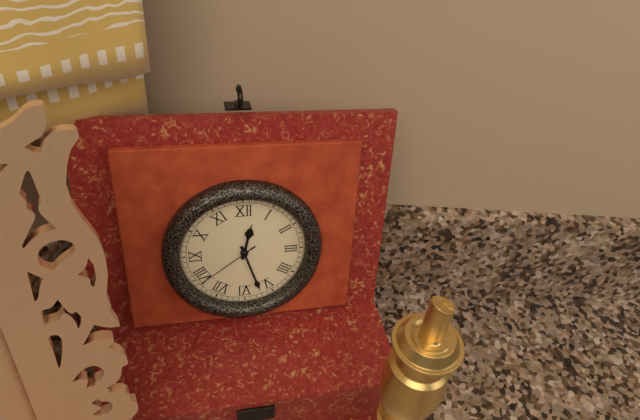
12:27:39
